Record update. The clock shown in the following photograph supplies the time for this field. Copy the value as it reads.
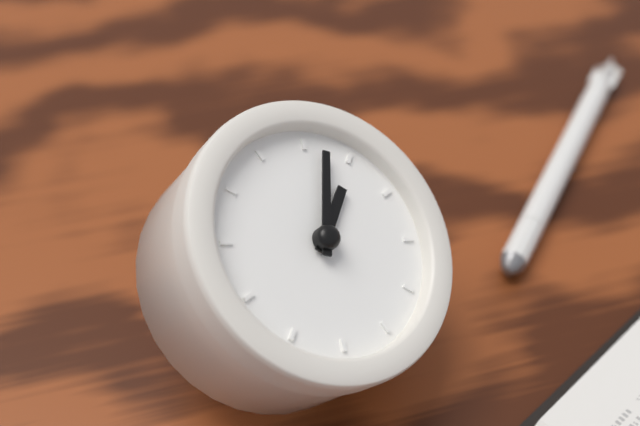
1:02
